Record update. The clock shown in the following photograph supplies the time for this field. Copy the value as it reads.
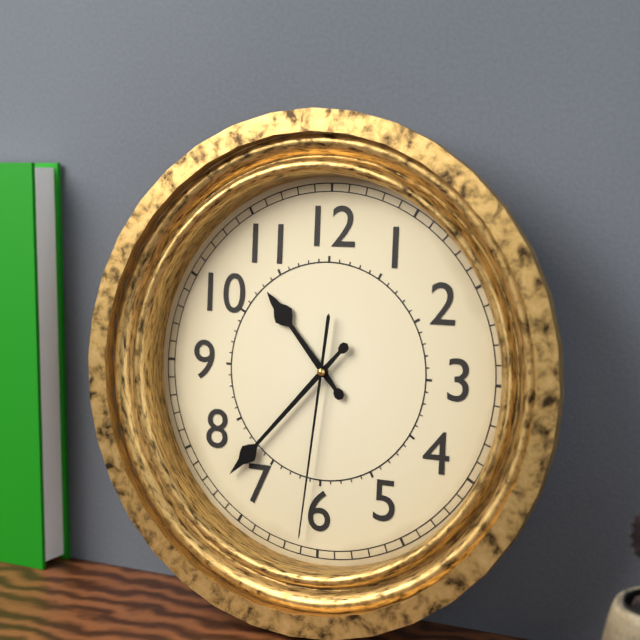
10:37:31
